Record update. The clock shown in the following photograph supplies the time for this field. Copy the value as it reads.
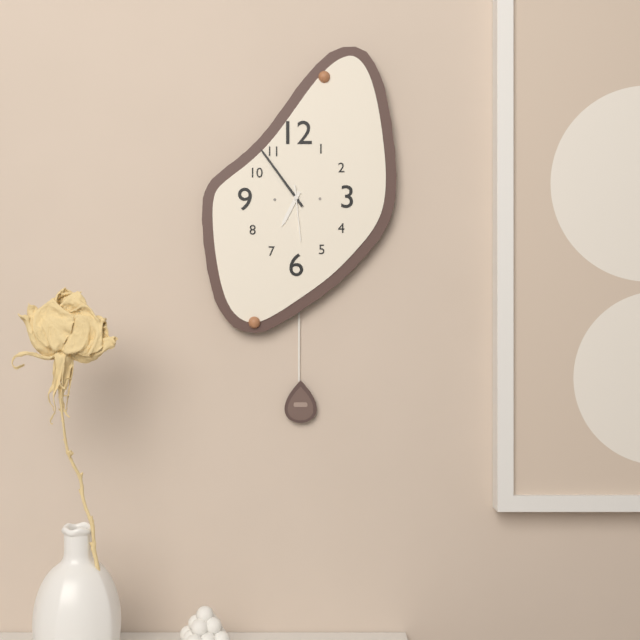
6:54:29
